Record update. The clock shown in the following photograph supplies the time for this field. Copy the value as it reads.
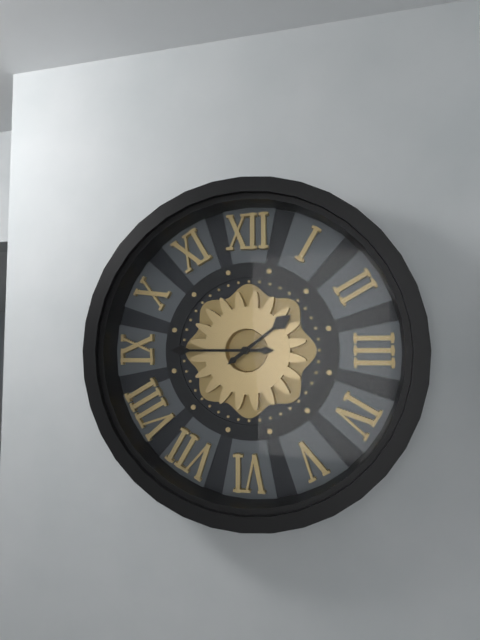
1:45
